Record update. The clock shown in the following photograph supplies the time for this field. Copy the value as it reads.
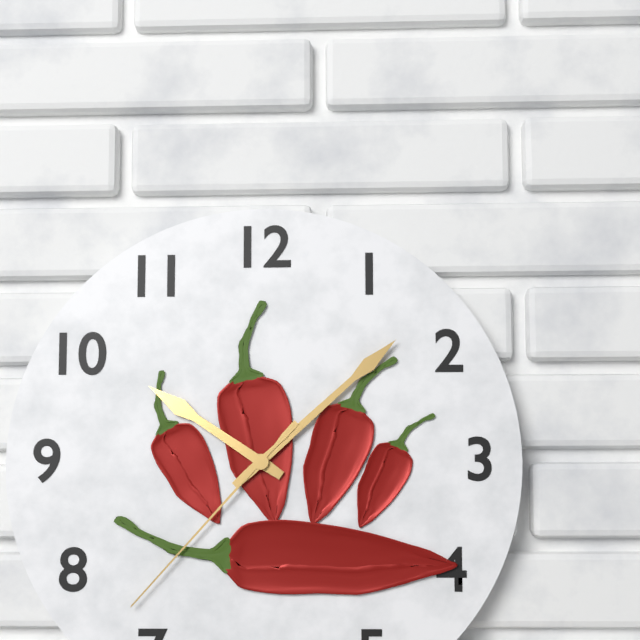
10:08:37
